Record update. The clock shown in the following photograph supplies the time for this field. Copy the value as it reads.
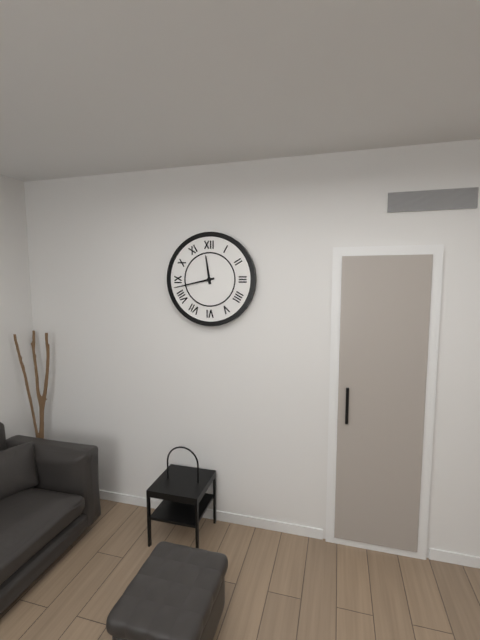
11:43
